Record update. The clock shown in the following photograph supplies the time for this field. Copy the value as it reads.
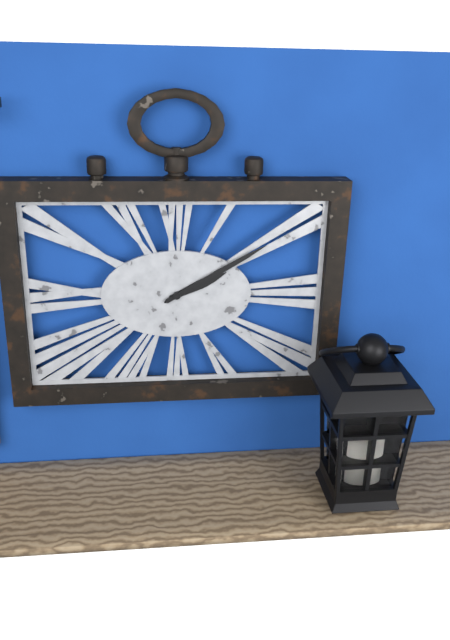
2:10
